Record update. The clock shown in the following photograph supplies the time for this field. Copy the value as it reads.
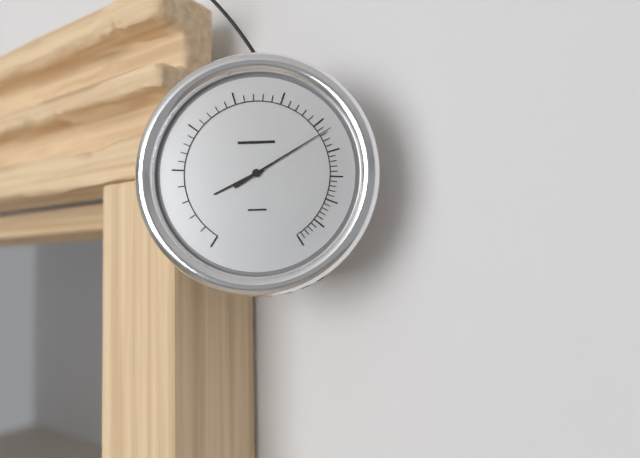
8:10
